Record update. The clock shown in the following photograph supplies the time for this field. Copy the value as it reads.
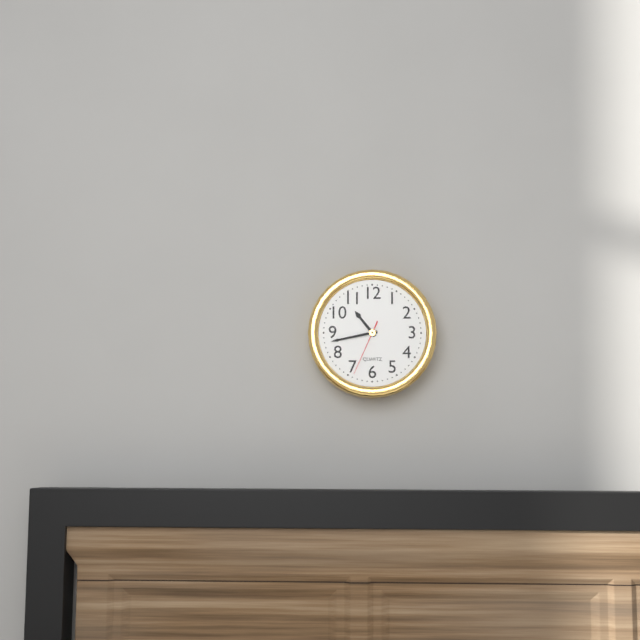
10:43:34
